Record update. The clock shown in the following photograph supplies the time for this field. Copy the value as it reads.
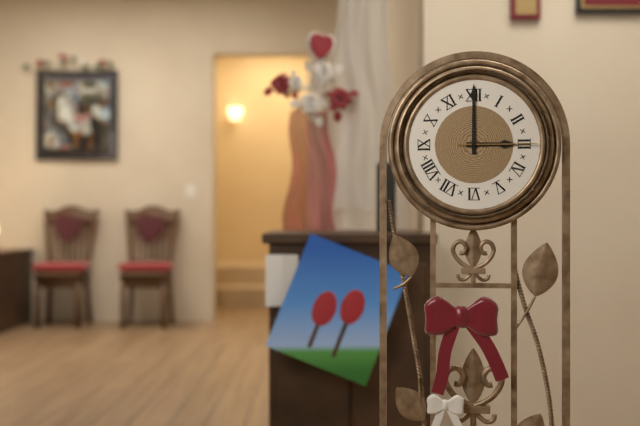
3:00:15
